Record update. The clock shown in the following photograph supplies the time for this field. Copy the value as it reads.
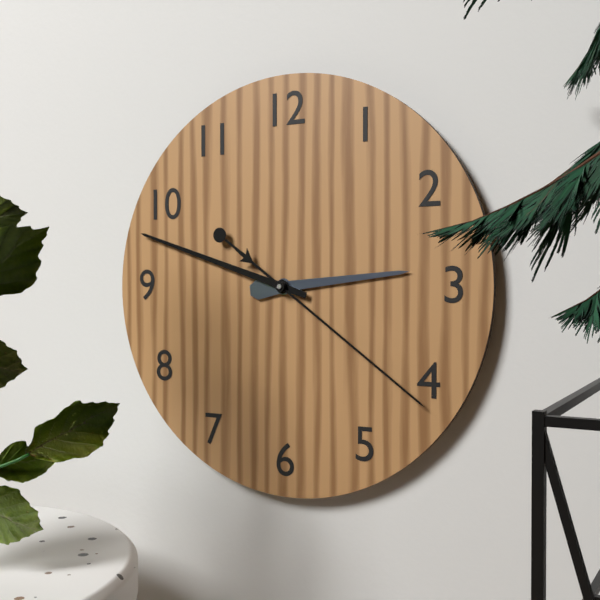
2:48:21
